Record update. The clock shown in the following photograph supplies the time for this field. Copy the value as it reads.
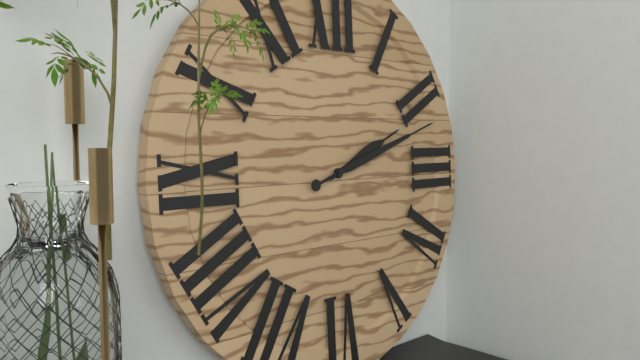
2:12
